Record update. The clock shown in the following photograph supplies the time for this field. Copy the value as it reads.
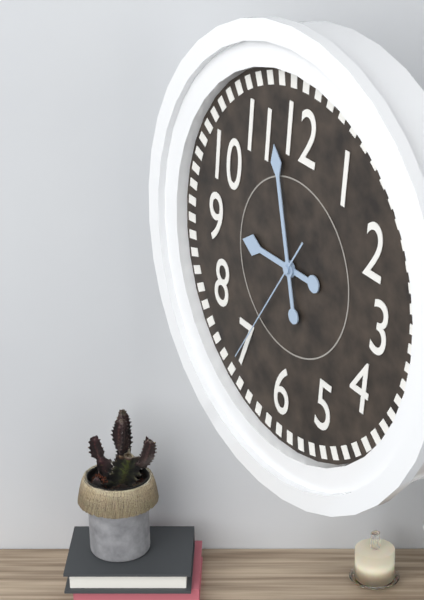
8:57:35
